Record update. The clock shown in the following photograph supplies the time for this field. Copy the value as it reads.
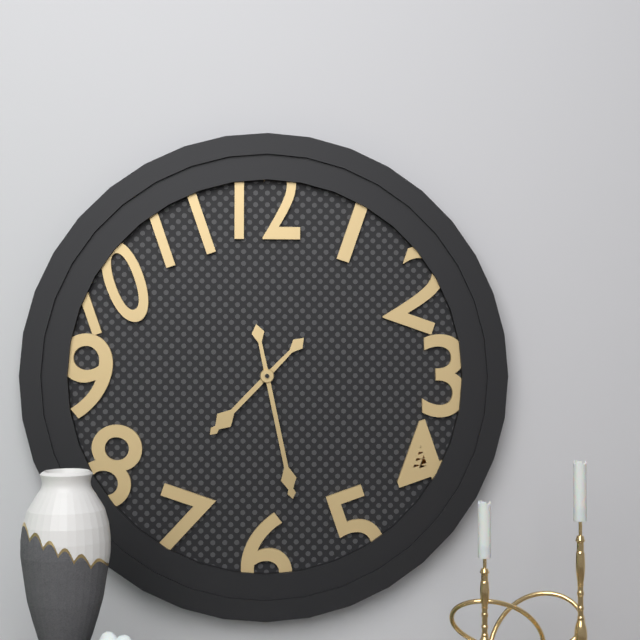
7:28
